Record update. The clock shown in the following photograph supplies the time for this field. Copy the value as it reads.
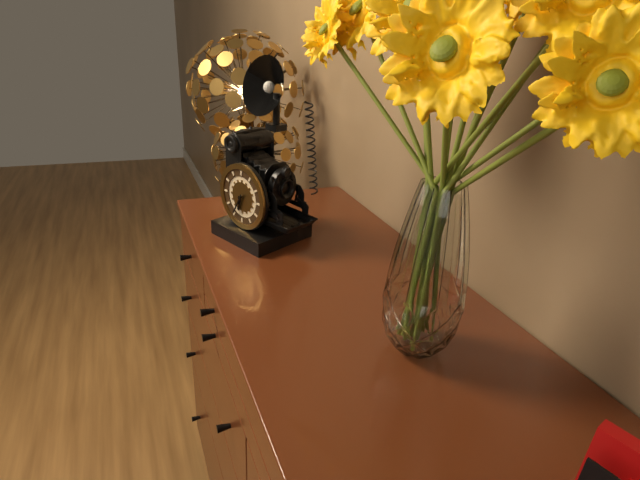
6:35
